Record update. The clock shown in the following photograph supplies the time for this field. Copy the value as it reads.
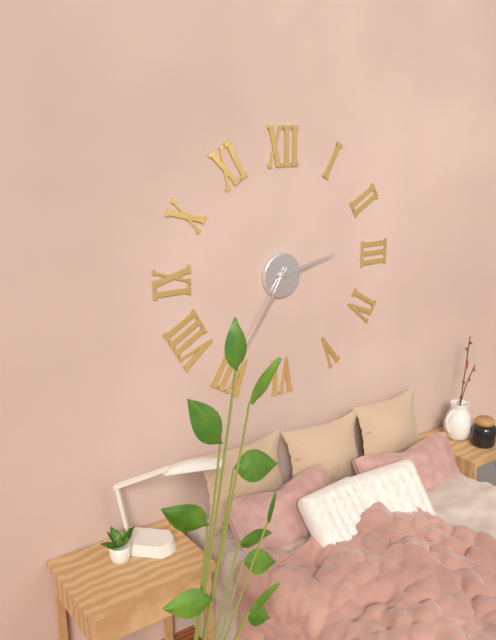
2:36
